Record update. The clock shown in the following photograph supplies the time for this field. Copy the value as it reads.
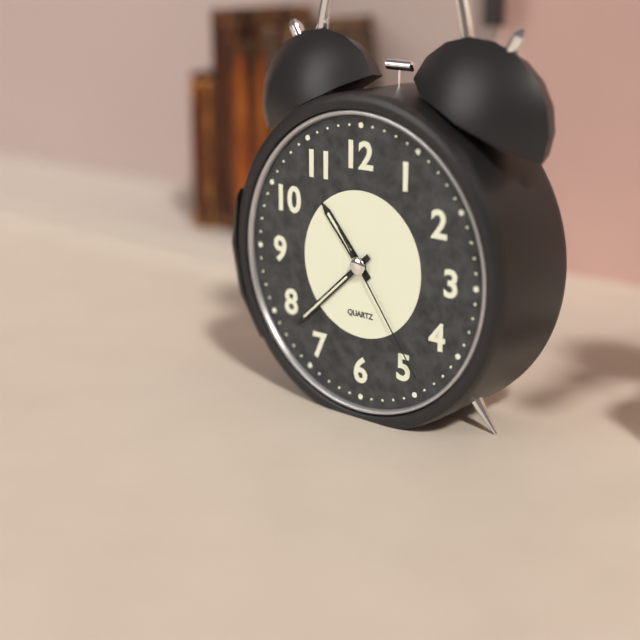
10:38:24
